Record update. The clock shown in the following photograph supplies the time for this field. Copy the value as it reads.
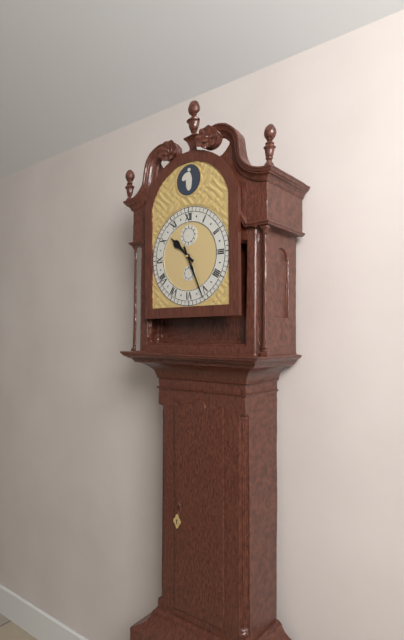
10:26
